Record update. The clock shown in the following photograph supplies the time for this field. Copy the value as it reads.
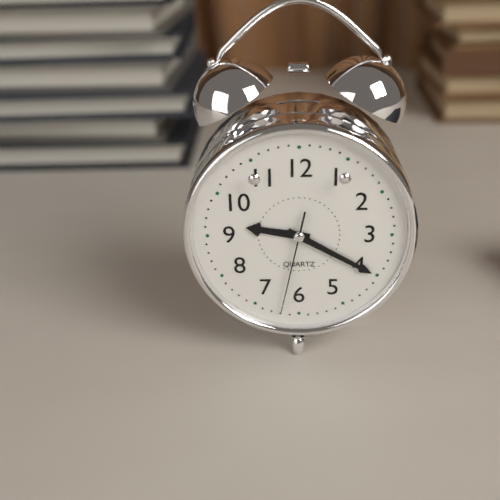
9:20:32
